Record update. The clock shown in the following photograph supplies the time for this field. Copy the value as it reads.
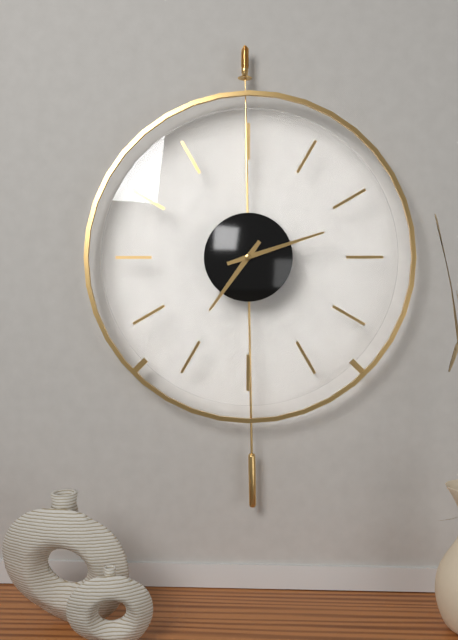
7:12
